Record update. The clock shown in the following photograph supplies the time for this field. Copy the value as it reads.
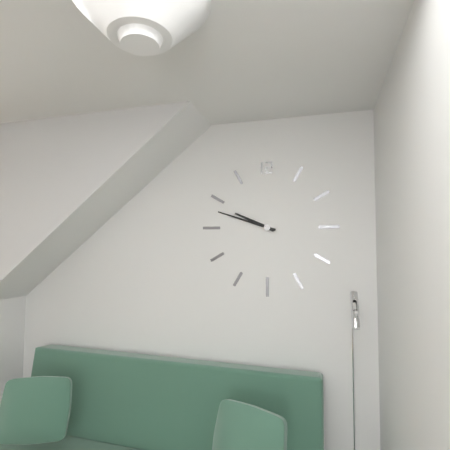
9:48
